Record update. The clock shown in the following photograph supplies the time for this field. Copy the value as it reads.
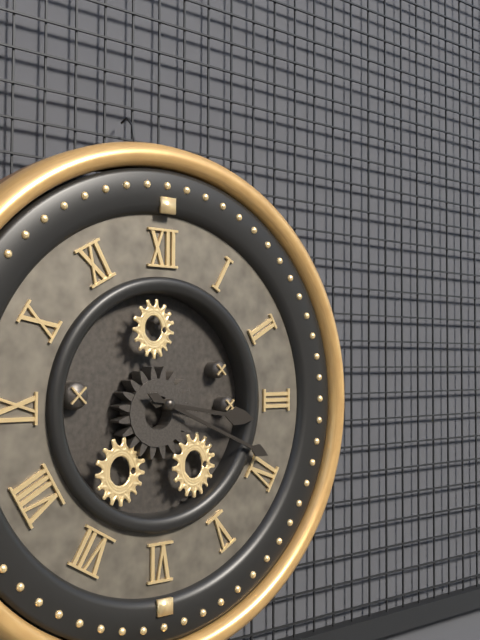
3:19
